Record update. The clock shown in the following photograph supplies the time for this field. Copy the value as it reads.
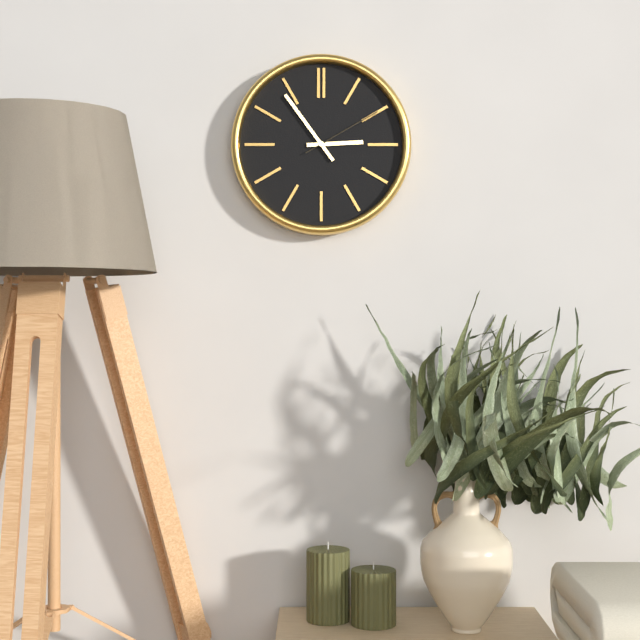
2:54:10
